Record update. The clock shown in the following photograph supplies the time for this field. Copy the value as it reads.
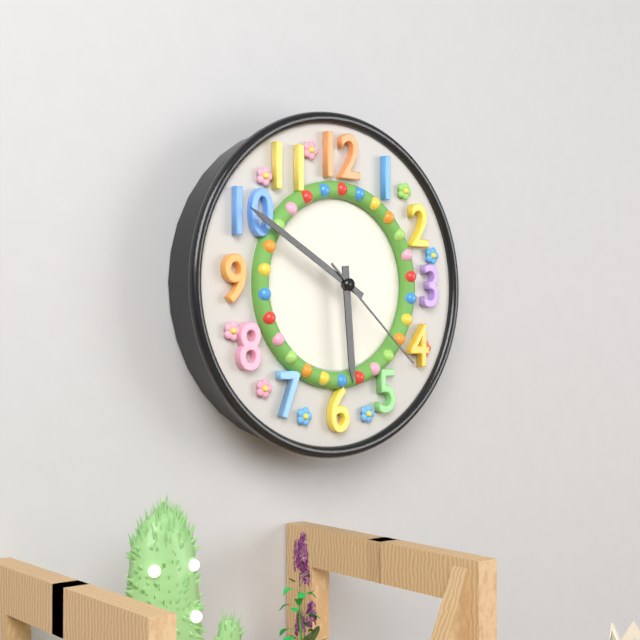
5:50:22
